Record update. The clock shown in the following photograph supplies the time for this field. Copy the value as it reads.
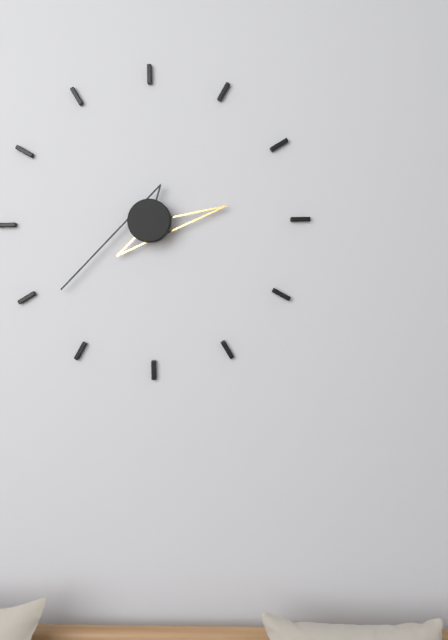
2:39
